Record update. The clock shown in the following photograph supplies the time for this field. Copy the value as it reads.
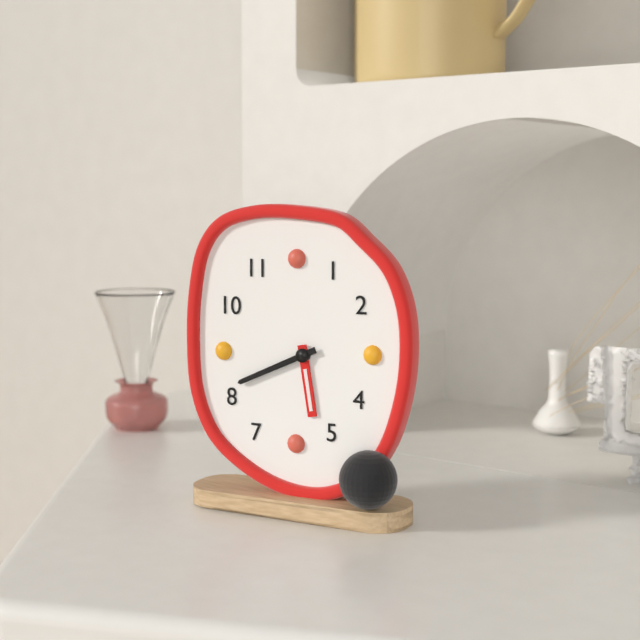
5:41
